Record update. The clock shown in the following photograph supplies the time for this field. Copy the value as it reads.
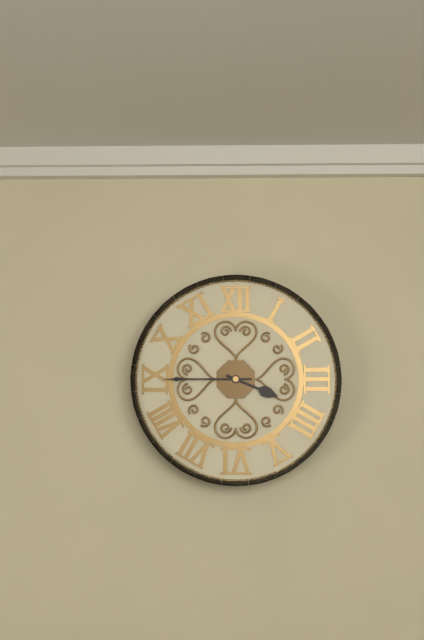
3:45
